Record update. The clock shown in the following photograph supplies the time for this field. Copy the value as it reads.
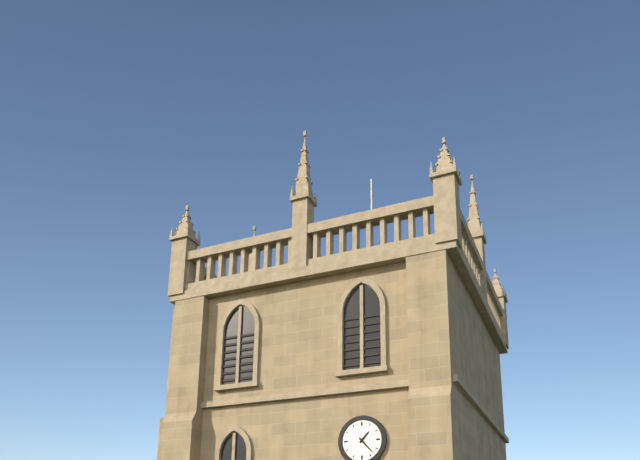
1:23
